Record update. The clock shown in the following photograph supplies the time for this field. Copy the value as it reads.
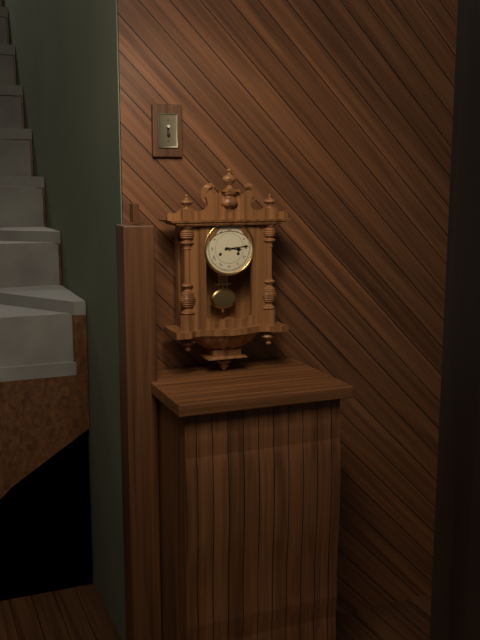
3:14
